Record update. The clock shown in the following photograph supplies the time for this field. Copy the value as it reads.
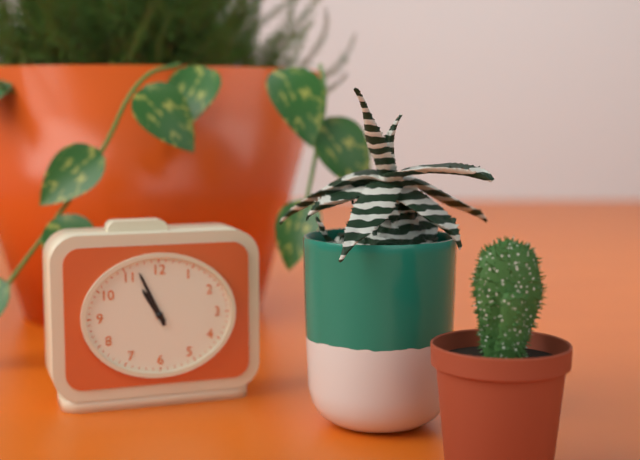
10:56
